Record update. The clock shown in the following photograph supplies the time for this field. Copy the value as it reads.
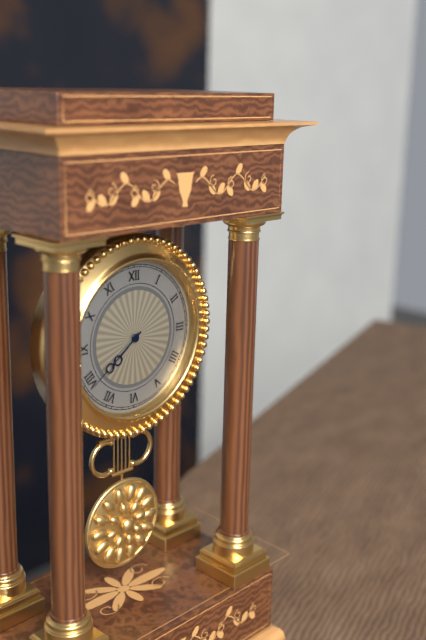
7:39
